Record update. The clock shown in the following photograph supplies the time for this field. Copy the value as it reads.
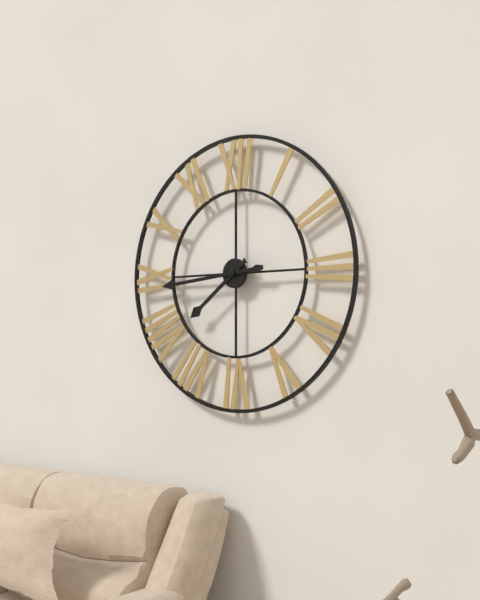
7:44
